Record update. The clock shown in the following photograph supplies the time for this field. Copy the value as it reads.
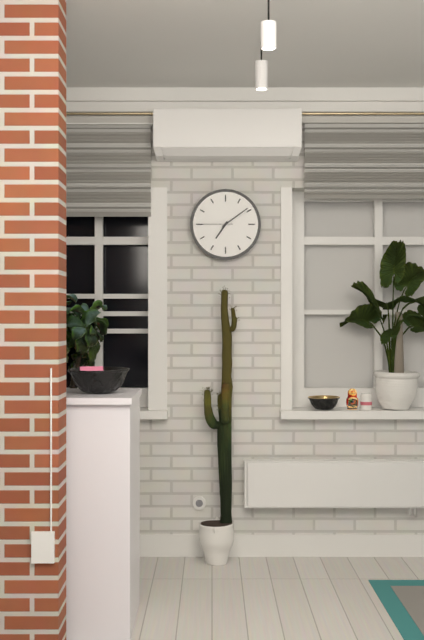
7:09
